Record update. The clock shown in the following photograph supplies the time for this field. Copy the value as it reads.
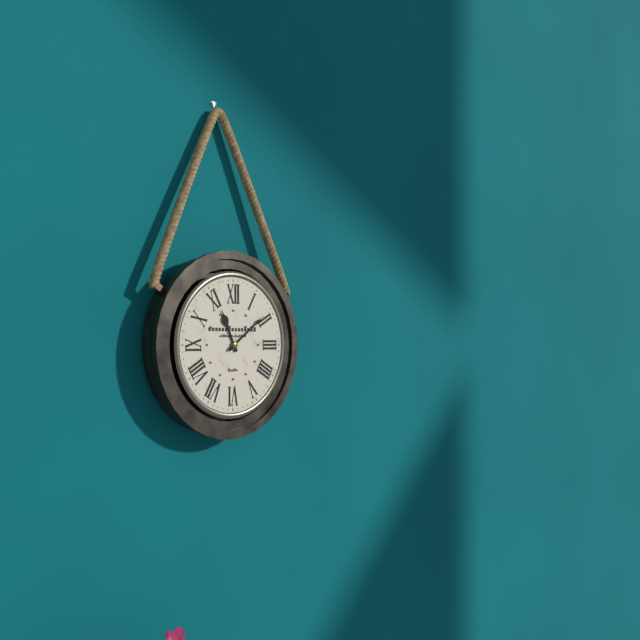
11:09
